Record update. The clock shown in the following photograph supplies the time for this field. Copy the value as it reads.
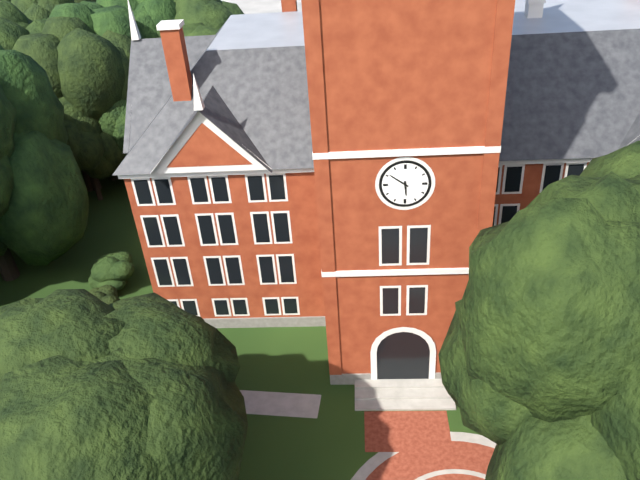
5:51
